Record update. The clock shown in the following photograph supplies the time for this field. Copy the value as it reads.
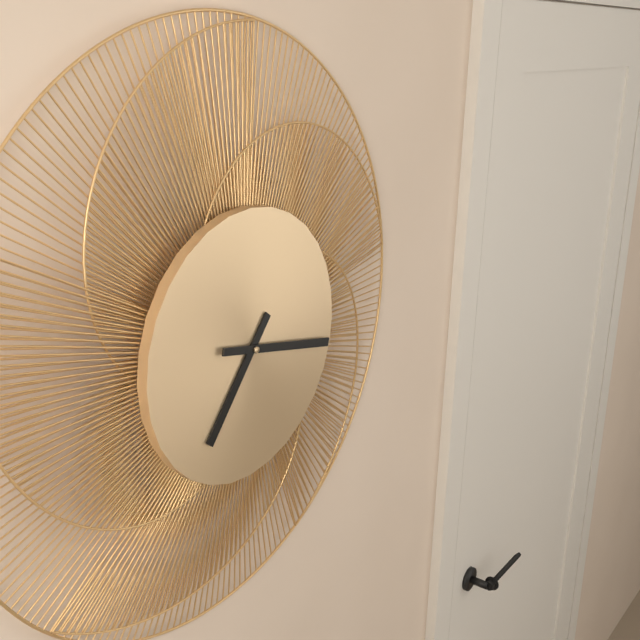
7:17
